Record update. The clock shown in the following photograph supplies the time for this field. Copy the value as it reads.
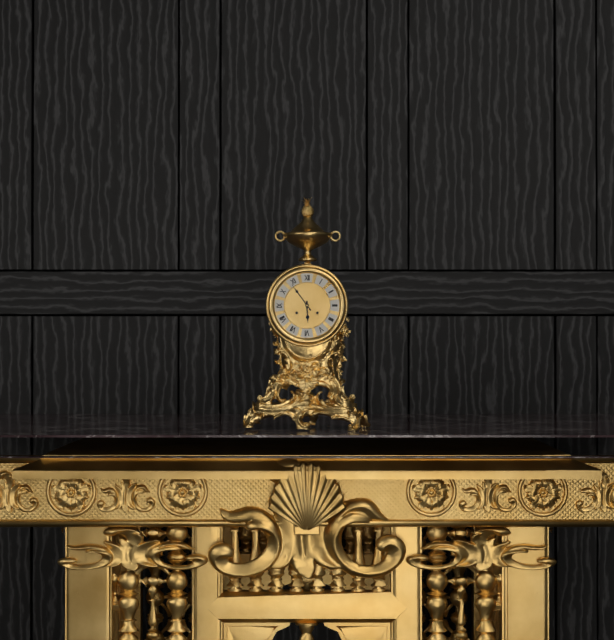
5:54
